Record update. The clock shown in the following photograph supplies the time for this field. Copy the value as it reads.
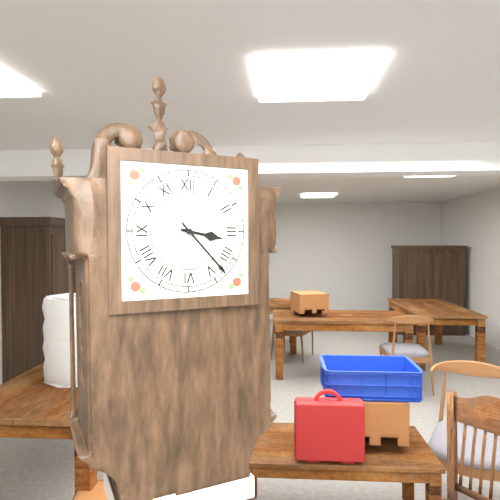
3:23
